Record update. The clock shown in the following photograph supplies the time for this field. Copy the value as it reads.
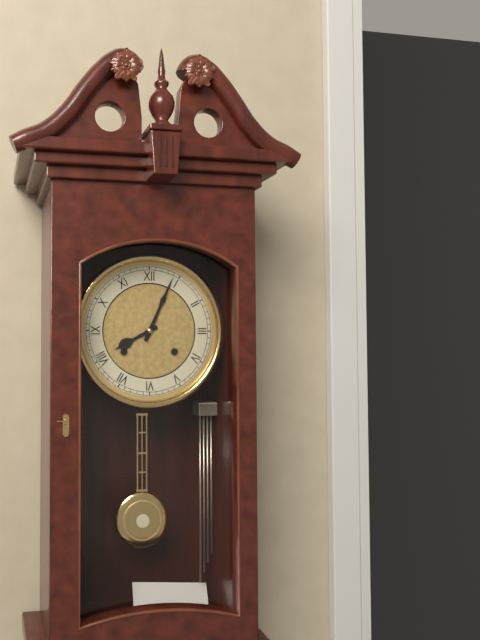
8:04
